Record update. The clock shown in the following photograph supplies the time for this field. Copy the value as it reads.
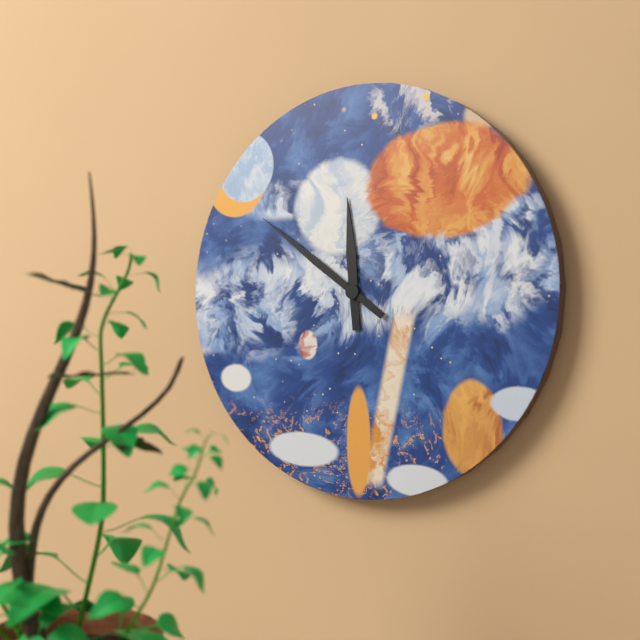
11:51
